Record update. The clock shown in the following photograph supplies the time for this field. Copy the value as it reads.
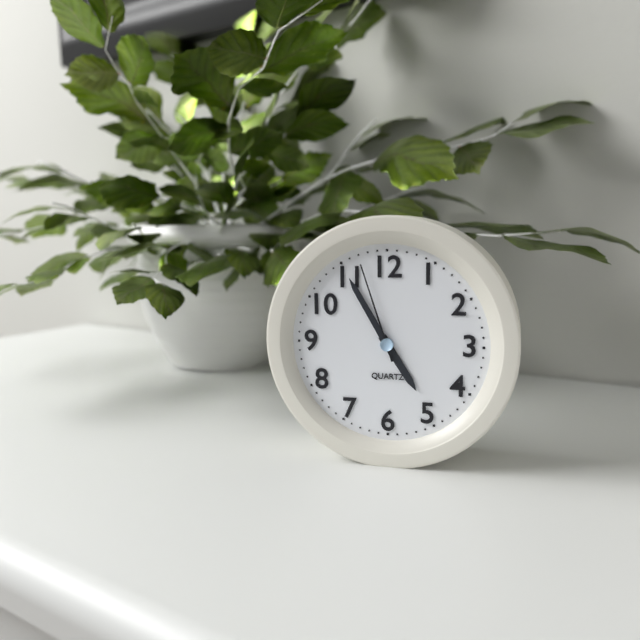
4:55:57
